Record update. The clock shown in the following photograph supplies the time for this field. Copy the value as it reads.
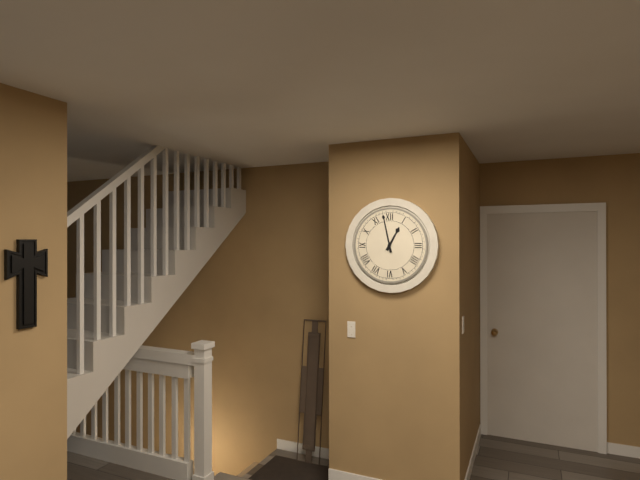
12:58
